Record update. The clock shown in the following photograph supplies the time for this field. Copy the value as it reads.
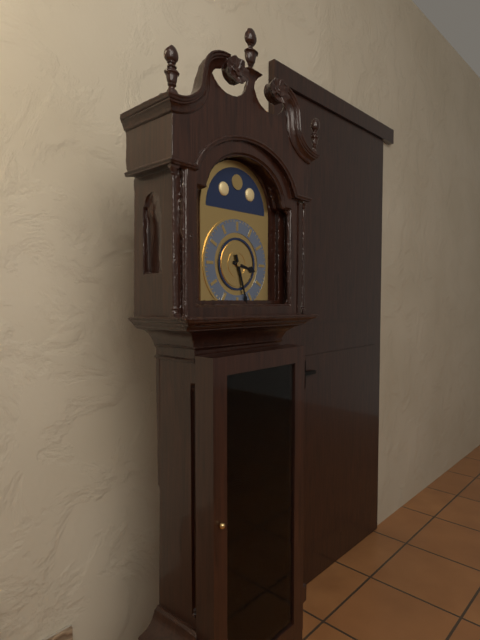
3:27
